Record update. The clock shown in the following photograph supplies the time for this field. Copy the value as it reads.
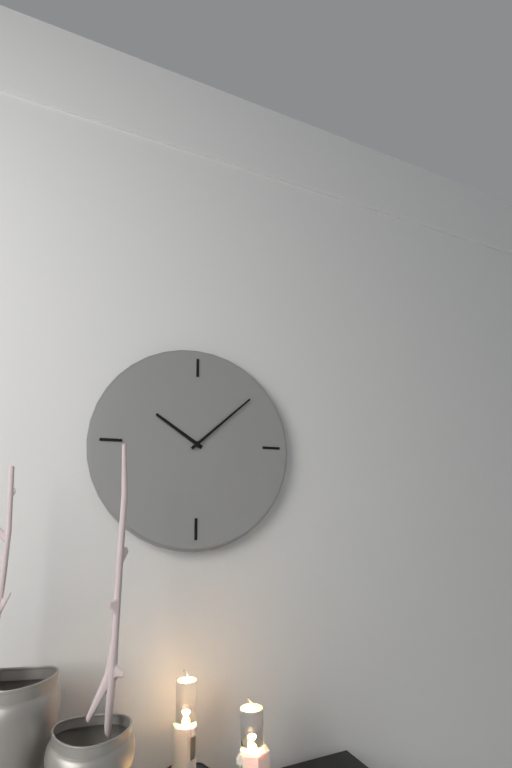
10:08
